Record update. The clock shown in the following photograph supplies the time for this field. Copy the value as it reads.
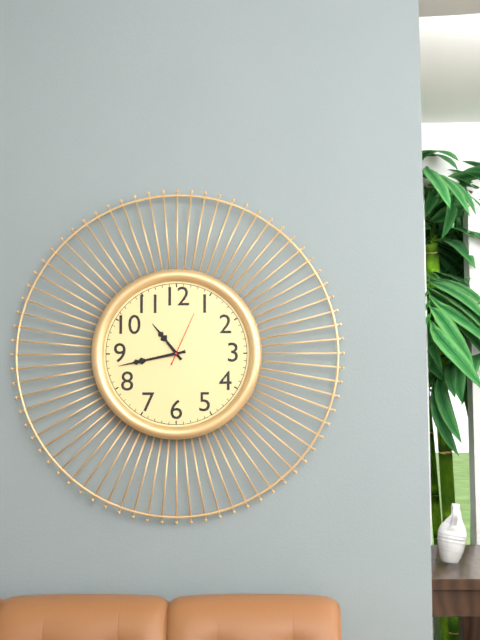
10:43:04
